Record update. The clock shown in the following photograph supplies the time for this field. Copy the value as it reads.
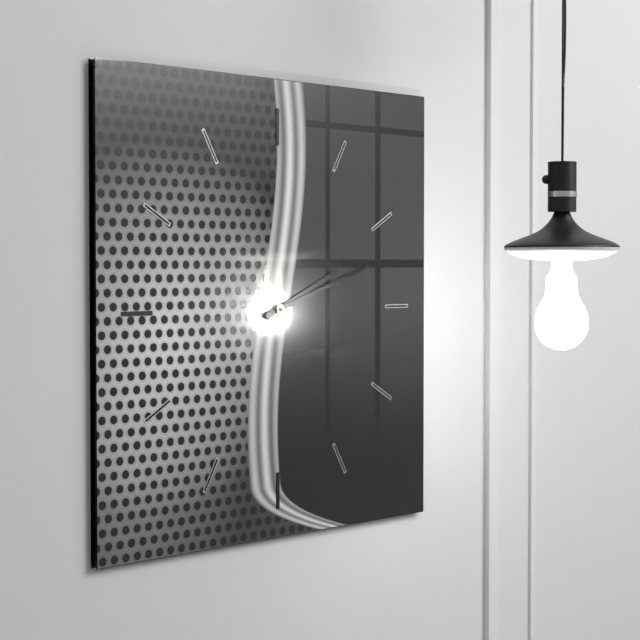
2:12
